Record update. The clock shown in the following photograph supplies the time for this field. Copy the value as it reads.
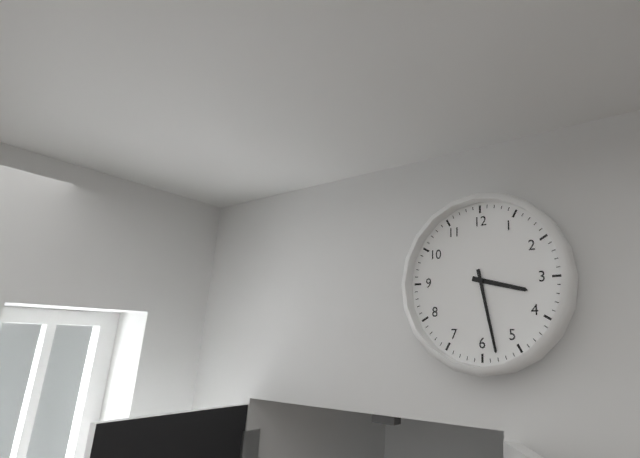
3:28
